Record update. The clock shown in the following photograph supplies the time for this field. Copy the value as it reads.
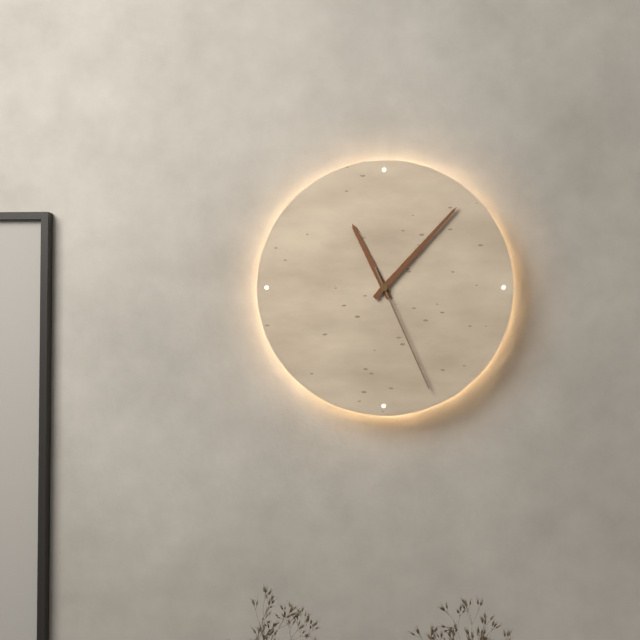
11:07:26
